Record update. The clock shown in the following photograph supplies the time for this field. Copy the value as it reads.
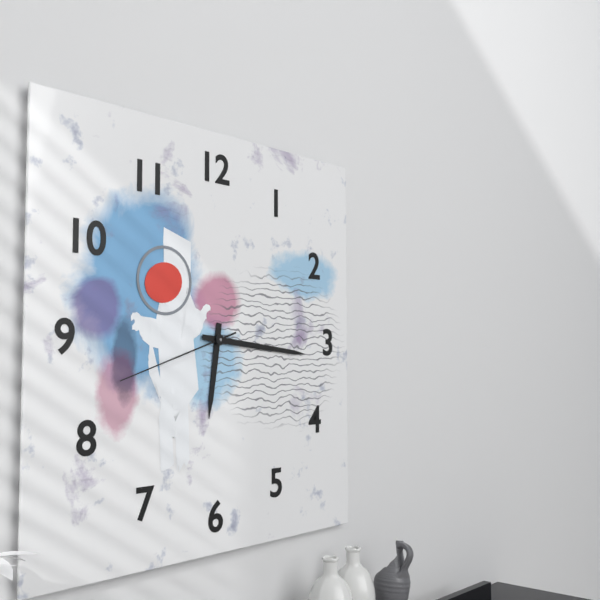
6:16:42
